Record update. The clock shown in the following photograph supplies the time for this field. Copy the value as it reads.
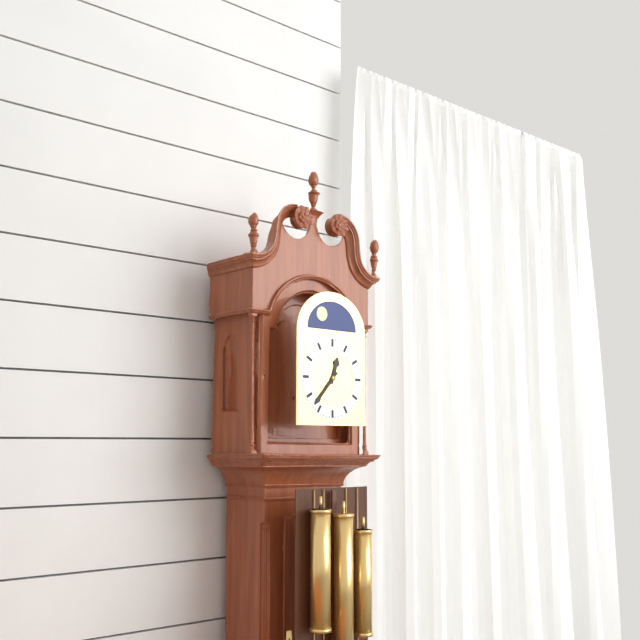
12:37
